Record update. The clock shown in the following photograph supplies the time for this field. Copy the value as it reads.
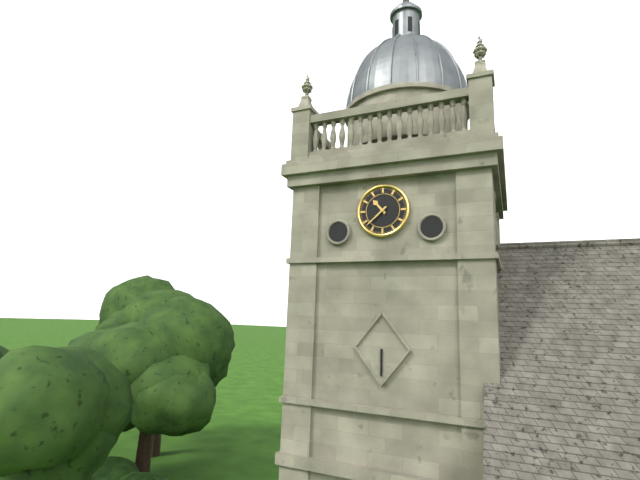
10:38
